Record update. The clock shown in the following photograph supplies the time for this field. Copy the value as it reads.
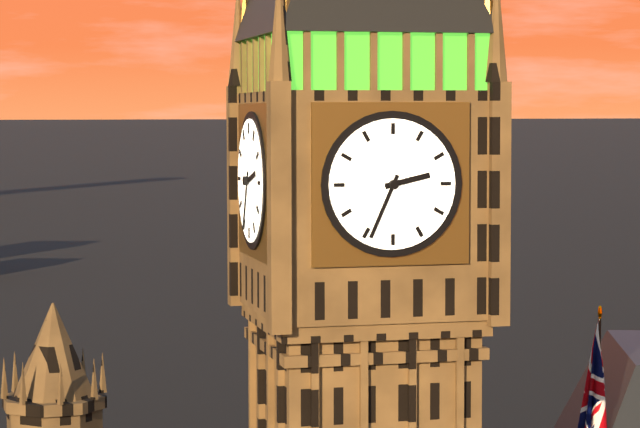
2:34
